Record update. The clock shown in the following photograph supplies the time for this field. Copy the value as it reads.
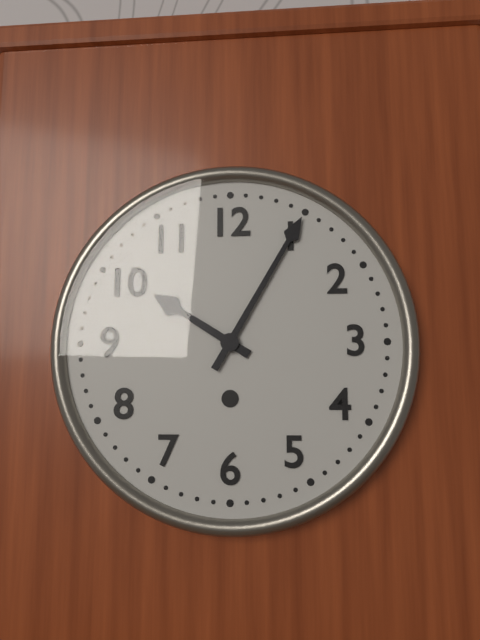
10:05
